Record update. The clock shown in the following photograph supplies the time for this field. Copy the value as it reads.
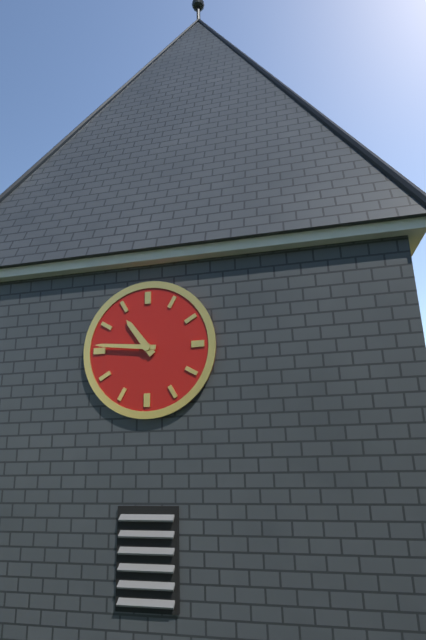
10:46
